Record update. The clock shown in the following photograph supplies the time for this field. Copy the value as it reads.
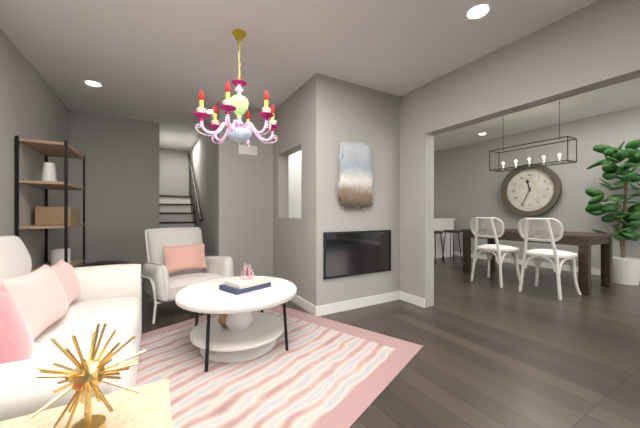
11:34
